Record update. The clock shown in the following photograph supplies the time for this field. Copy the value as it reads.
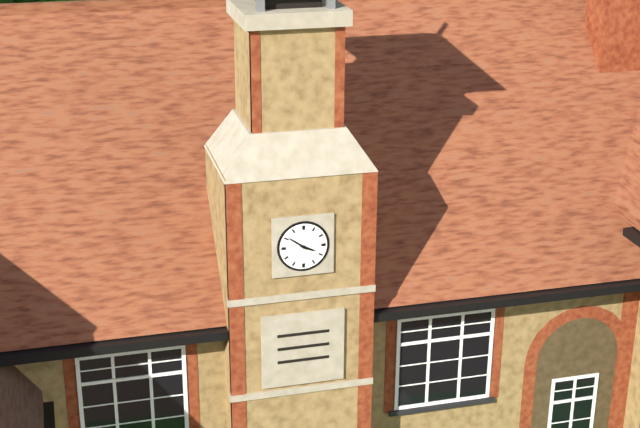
3:51
